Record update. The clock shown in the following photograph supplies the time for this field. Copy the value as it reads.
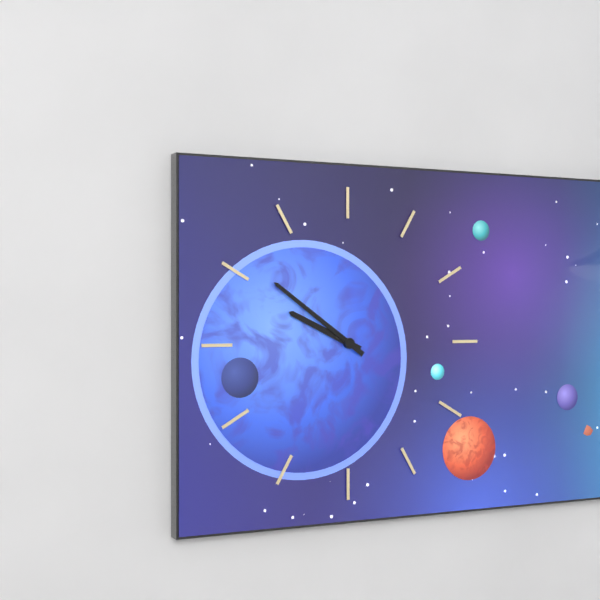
9:51
